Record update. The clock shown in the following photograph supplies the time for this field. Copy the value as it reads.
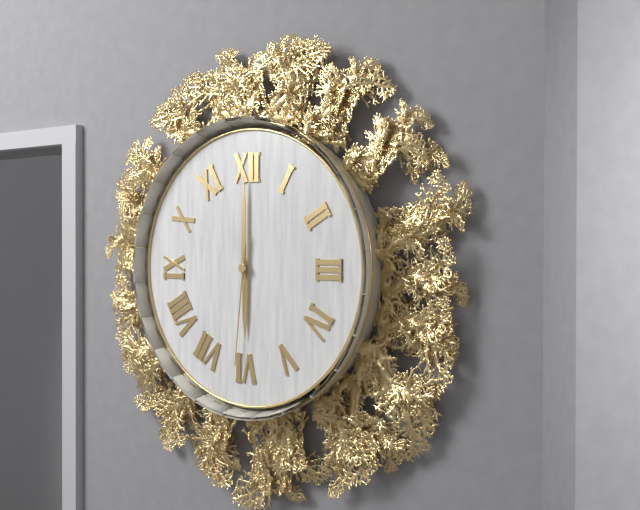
6:00:31
